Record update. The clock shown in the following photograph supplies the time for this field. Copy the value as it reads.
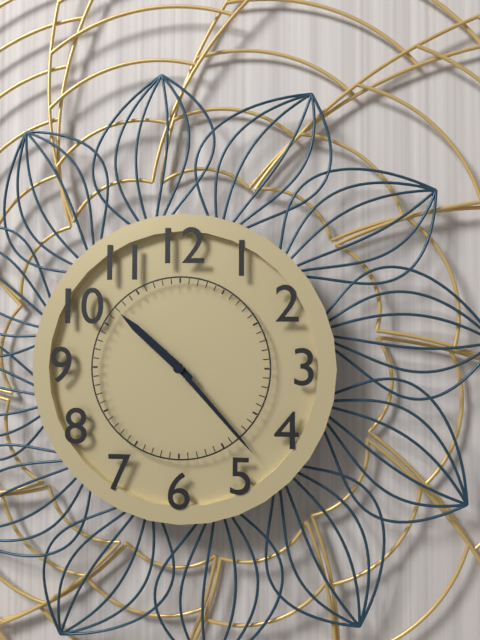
10:23
